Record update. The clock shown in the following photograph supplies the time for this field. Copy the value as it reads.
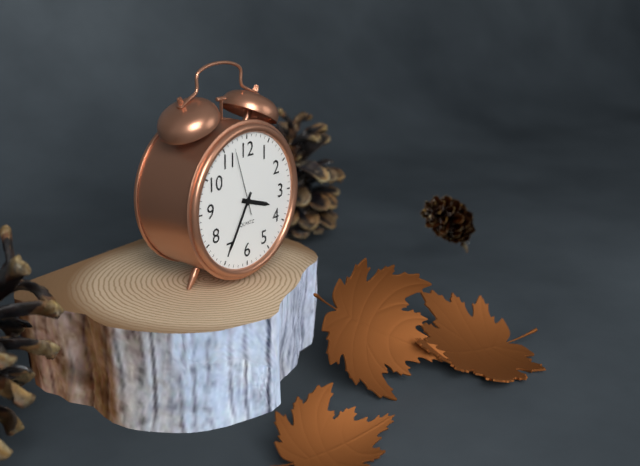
3:35:57
